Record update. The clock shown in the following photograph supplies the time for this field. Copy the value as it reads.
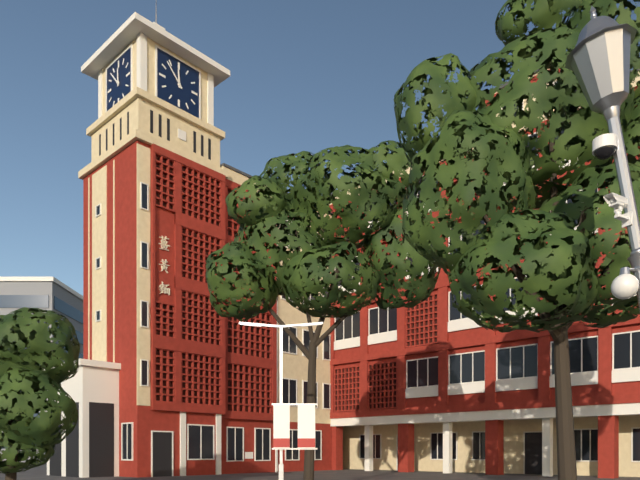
11:53
